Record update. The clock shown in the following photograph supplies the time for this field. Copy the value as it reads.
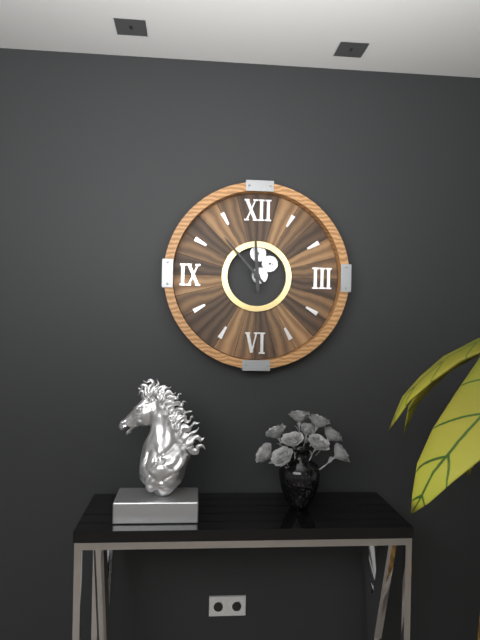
11:53
